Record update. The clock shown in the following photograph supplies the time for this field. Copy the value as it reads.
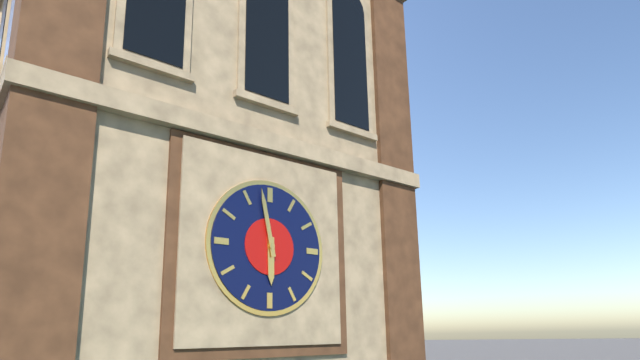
5:58
